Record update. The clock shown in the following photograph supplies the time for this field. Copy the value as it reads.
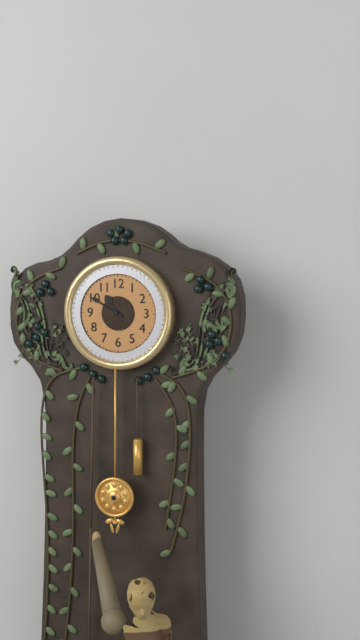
10:50
